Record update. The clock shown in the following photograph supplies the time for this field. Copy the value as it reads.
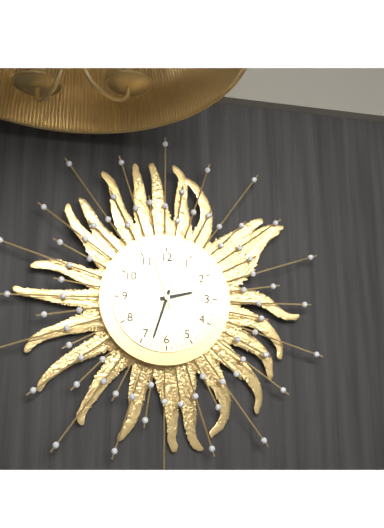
2:33:57
